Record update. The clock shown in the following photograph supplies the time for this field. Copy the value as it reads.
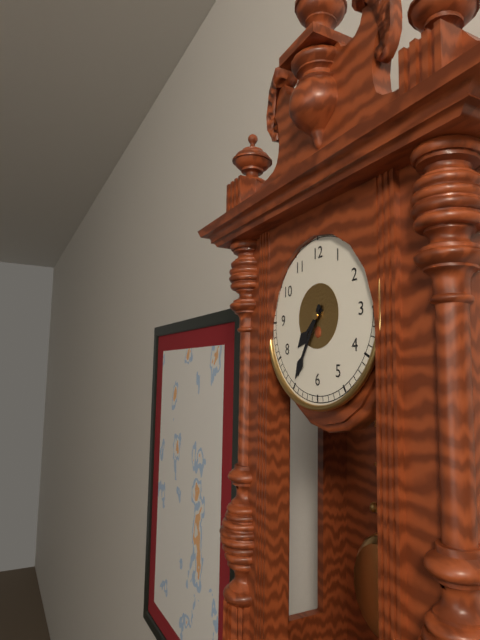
7:35
